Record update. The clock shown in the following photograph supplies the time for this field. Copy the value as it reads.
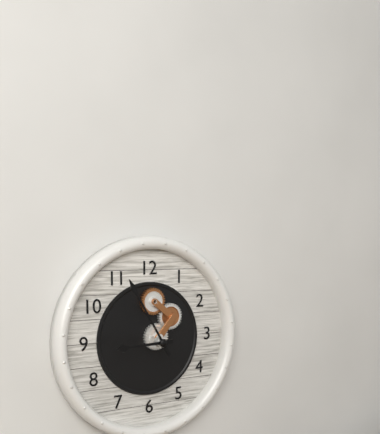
8:55
